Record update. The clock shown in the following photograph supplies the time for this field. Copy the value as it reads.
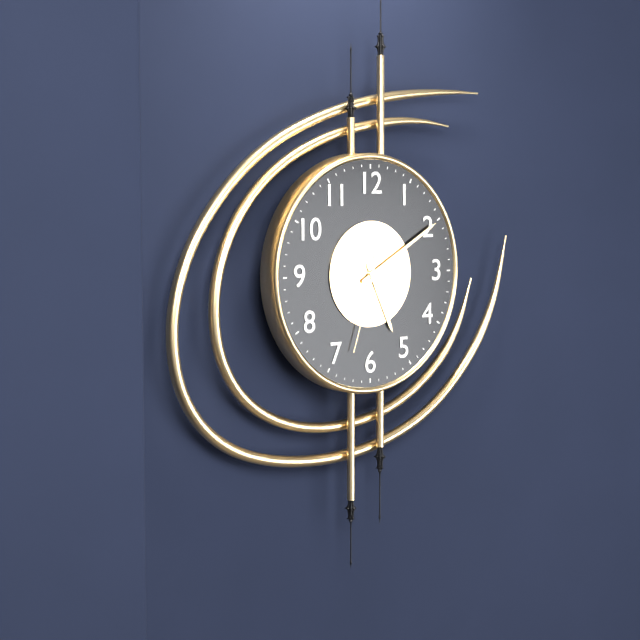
5:10:33
